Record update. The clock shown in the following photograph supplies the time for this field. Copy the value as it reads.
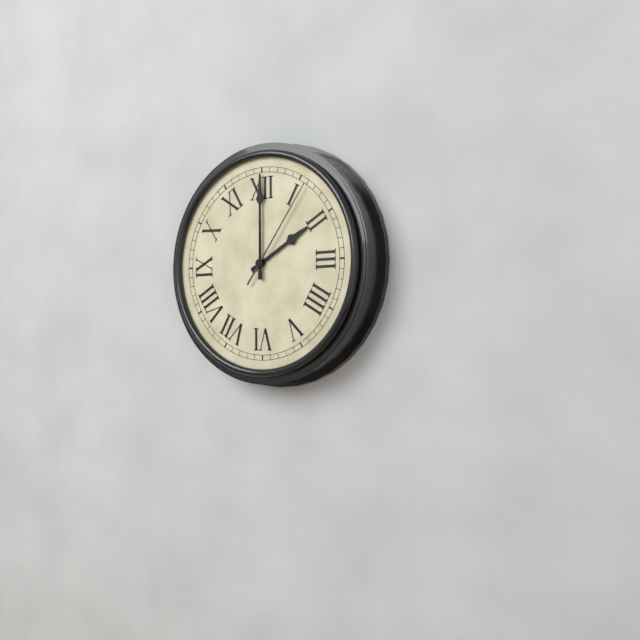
2:00:06
